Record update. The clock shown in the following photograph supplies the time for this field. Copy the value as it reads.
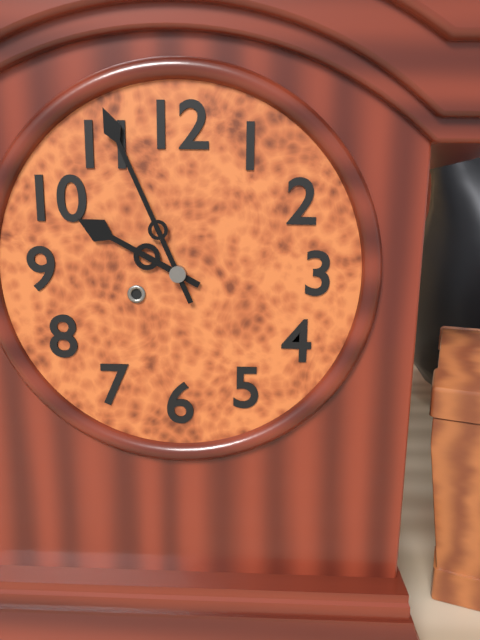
9:56
